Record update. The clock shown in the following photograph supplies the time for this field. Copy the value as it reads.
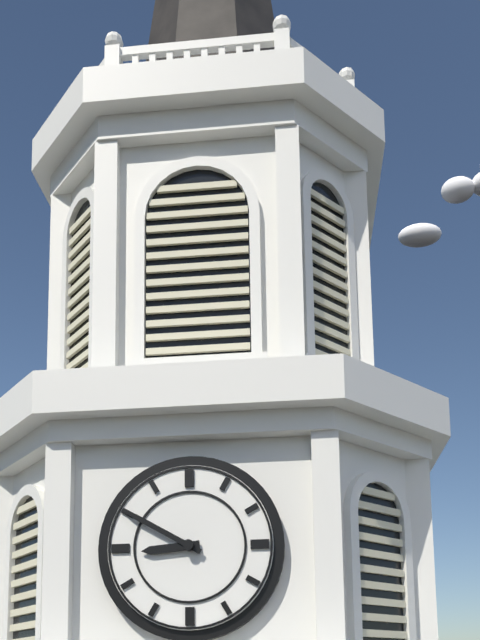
8:50
